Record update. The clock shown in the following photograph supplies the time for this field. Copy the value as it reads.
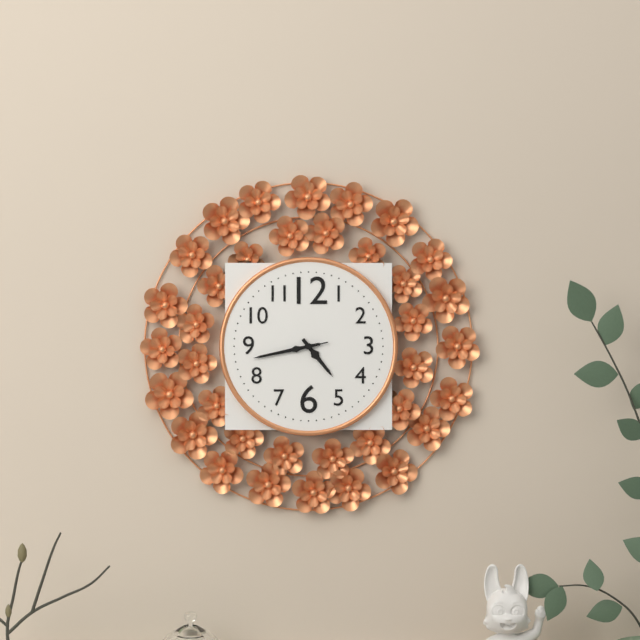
4:43:43
